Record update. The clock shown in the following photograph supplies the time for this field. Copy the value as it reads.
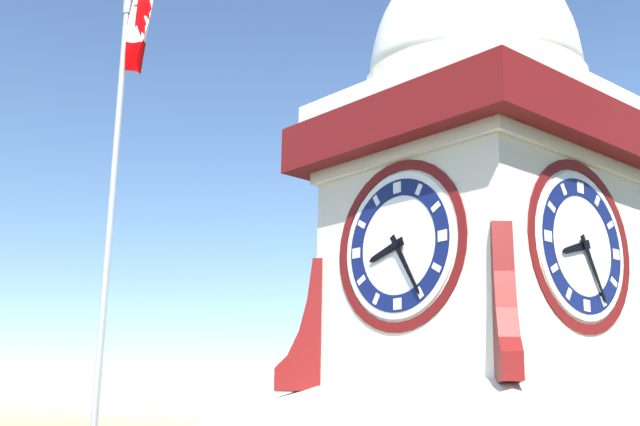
8:25
